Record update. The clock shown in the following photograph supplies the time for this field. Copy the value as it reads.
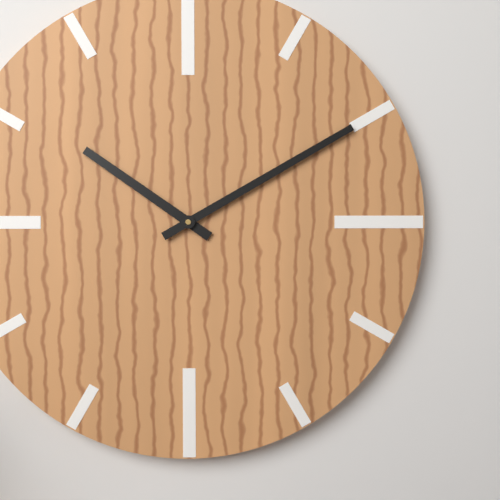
10:10
